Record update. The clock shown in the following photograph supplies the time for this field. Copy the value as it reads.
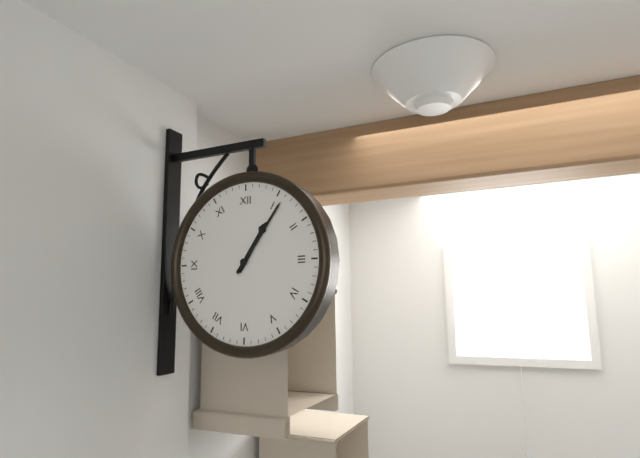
1:06
